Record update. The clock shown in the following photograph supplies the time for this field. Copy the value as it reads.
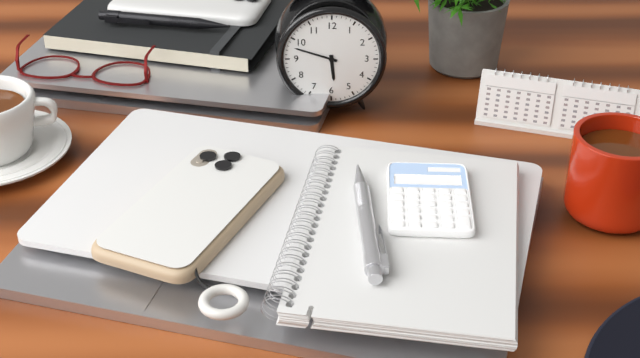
5:48
